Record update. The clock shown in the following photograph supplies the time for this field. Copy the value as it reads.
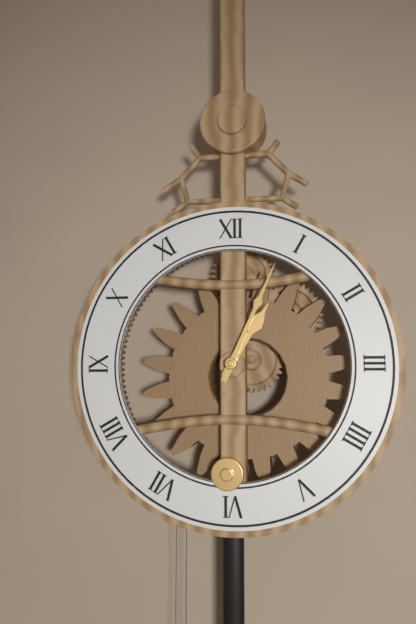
1:04
